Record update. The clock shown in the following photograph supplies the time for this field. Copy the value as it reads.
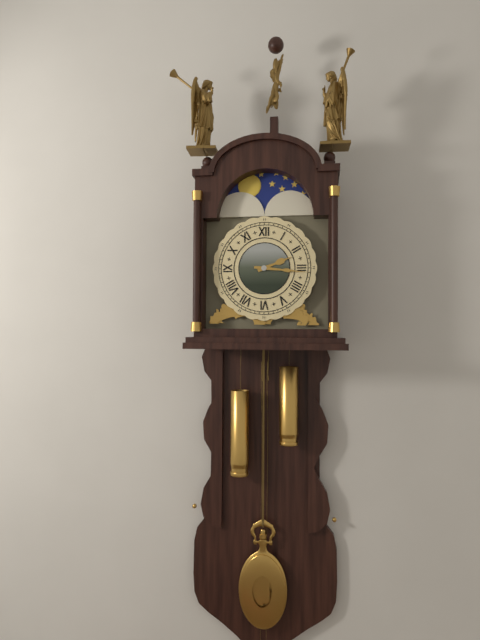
2:16
